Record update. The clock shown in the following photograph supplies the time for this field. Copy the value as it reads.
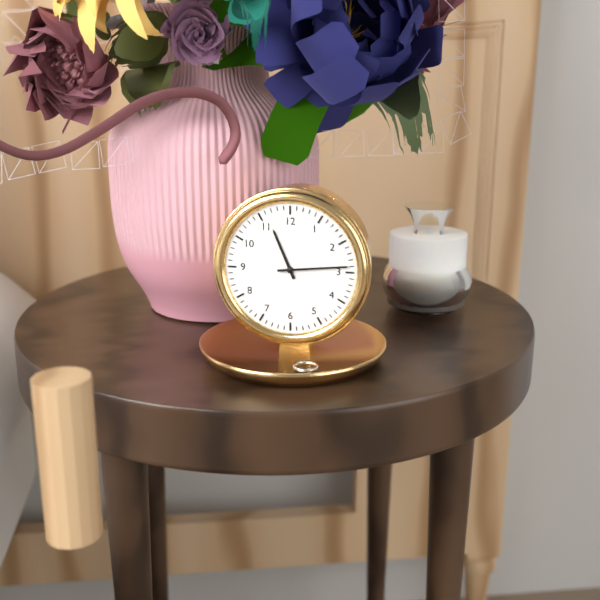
11:14
